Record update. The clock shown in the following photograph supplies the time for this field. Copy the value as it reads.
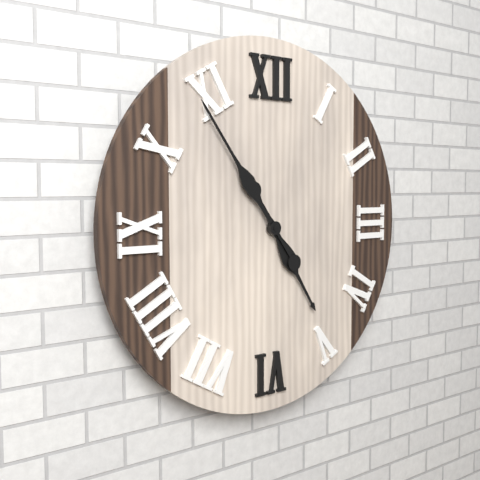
4:54
